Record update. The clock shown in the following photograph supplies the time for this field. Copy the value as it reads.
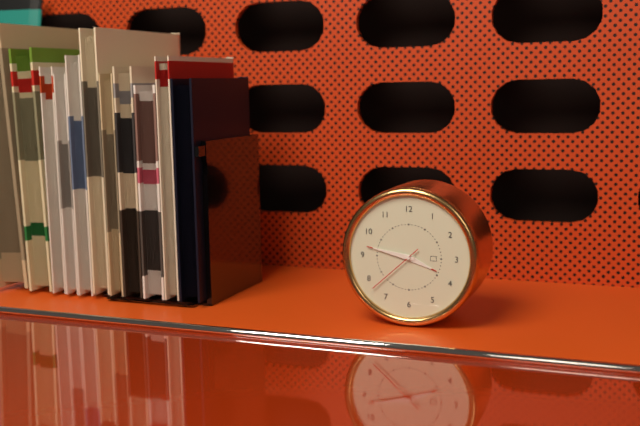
3:47:38
